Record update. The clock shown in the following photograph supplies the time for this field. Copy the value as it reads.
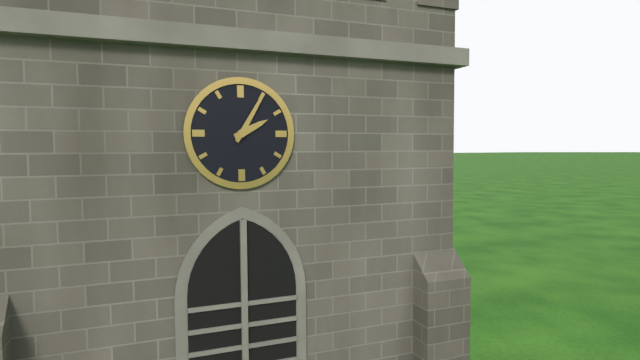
2:05
